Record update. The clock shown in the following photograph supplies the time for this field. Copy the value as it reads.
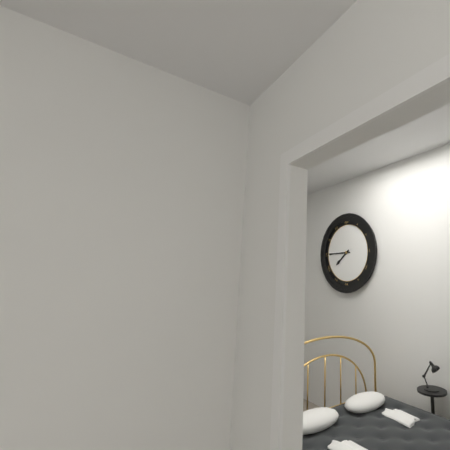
7:45
